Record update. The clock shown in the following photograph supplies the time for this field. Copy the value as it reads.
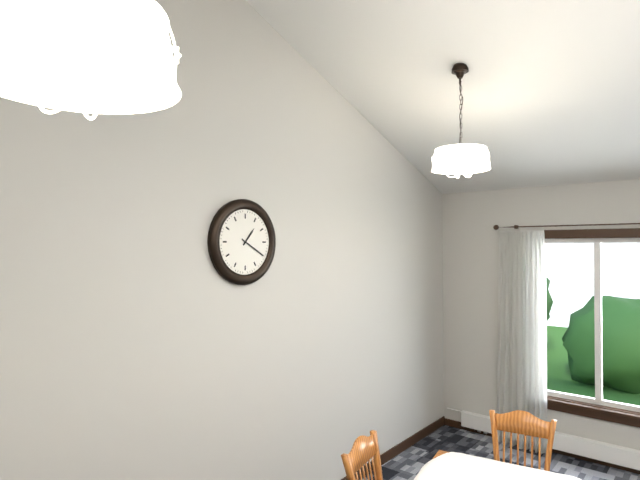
1:20
